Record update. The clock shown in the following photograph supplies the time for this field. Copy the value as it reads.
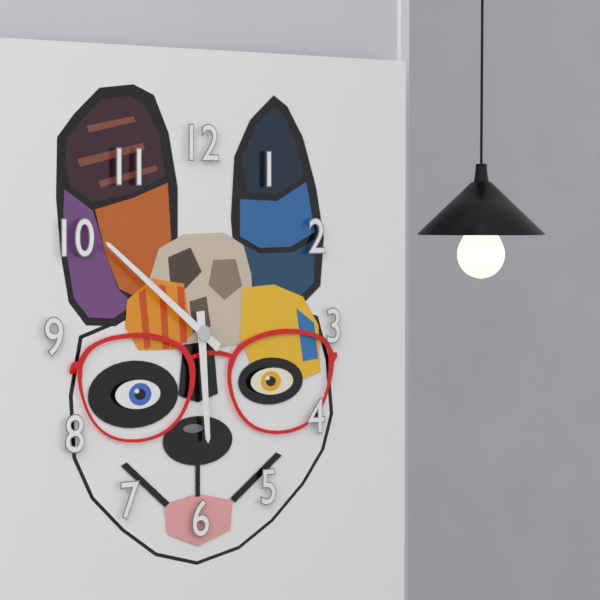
5:51
